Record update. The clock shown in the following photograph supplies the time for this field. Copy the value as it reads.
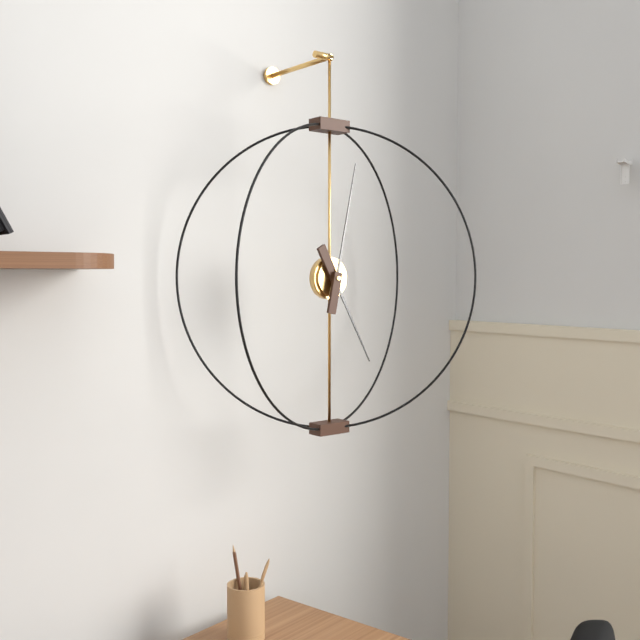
5:02
